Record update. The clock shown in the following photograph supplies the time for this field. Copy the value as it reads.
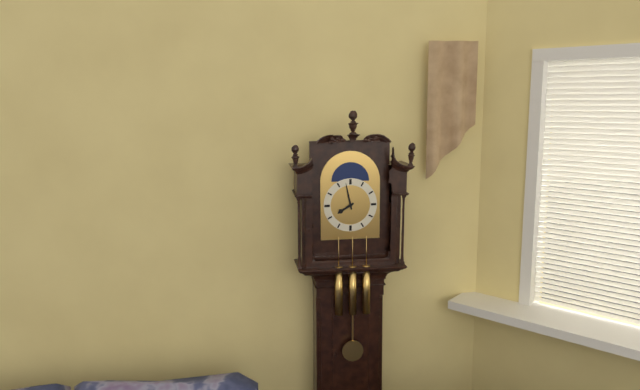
7:58
